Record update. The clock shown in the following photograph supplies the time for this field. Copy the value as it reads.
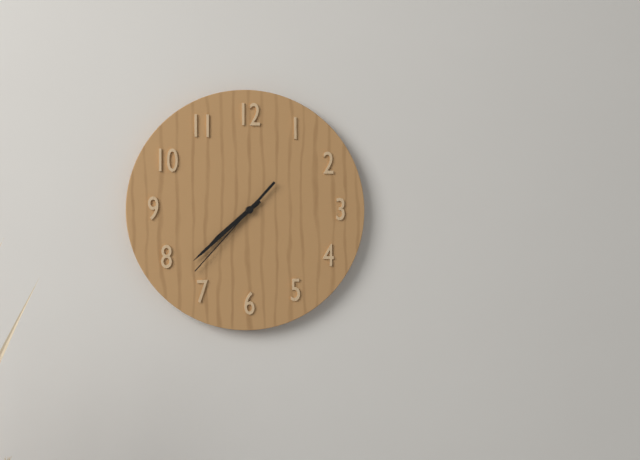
7:38:37
